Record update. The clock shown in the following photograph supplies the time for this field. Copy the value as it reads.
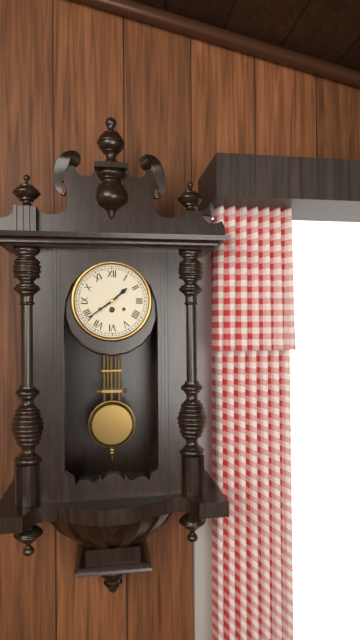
1:39
